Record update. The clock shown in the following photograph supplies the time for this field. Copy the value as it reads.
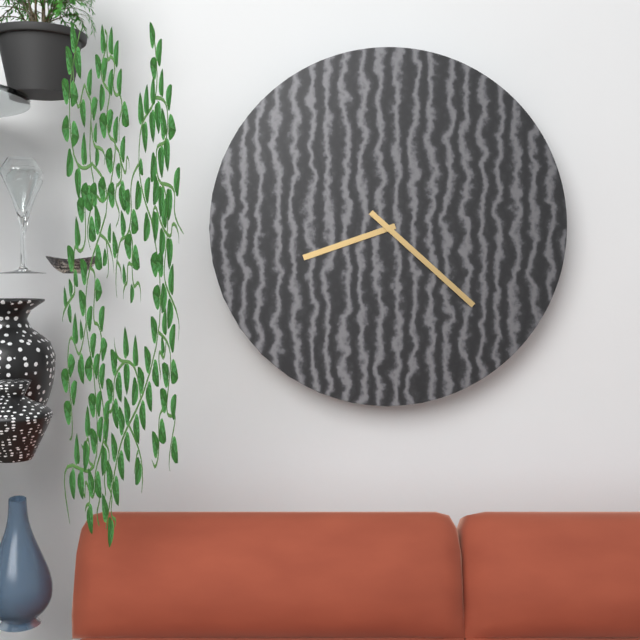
8:22
